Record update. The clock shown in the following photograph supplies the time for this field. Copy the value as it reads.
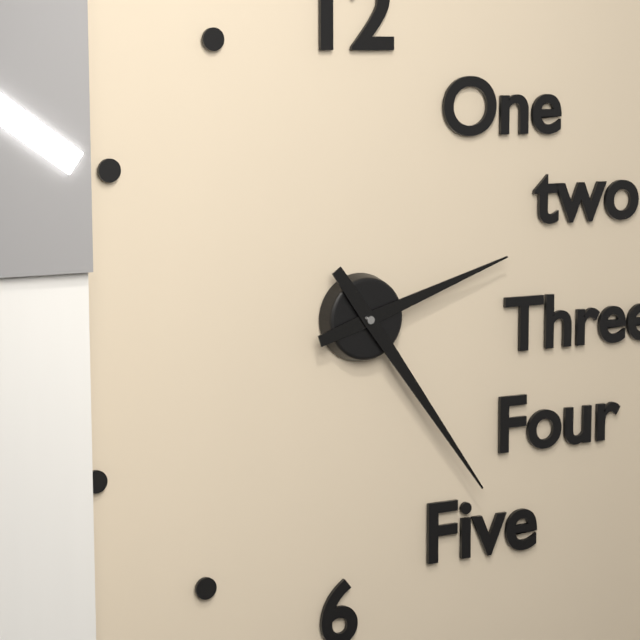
2:24
